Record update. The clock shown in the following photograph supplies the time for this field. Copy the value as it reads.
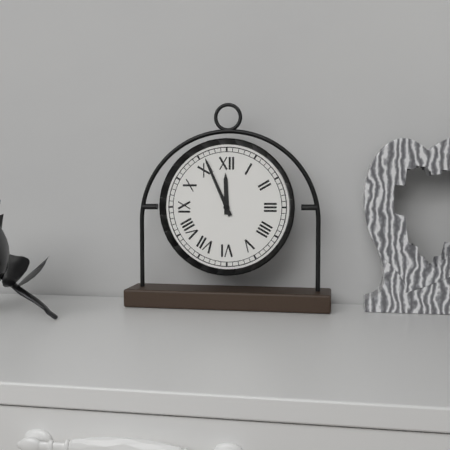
11:56
